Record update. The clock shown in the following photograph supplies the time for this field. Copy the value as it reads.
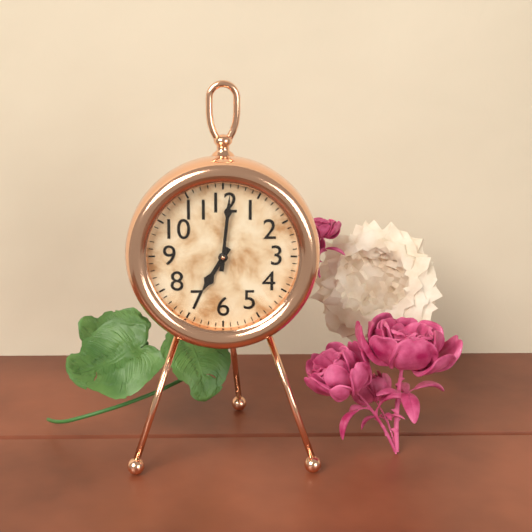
7:01
